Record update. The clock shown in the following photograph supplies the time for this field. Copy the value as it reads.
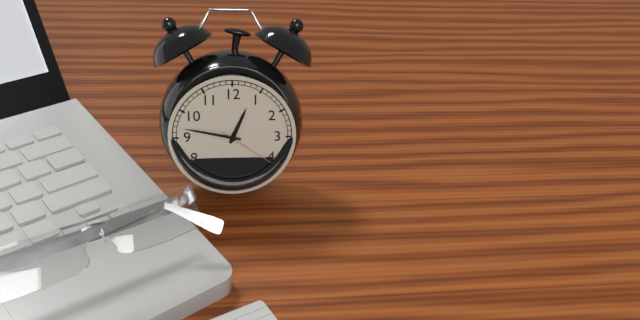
12:47:21
